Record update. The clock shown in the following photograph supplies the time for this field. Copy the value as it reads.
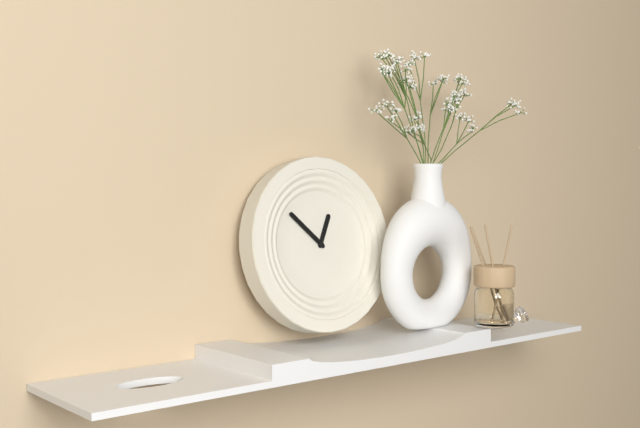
12:52
